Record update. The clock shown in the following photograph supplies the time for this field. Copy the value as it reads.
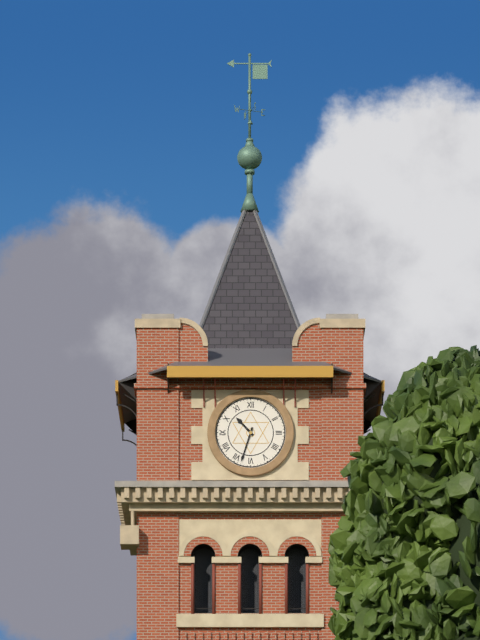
10:33
